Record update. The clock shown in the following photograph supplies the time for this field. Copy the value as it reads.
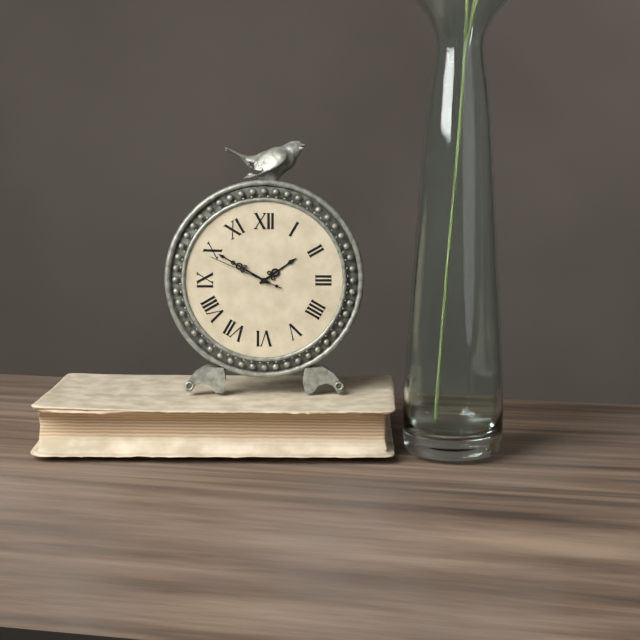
1:50:49
